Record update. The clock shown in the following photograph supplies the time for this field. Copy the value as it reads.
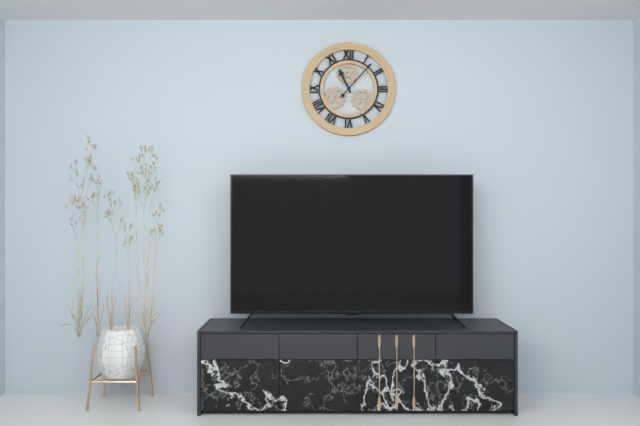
11:07
